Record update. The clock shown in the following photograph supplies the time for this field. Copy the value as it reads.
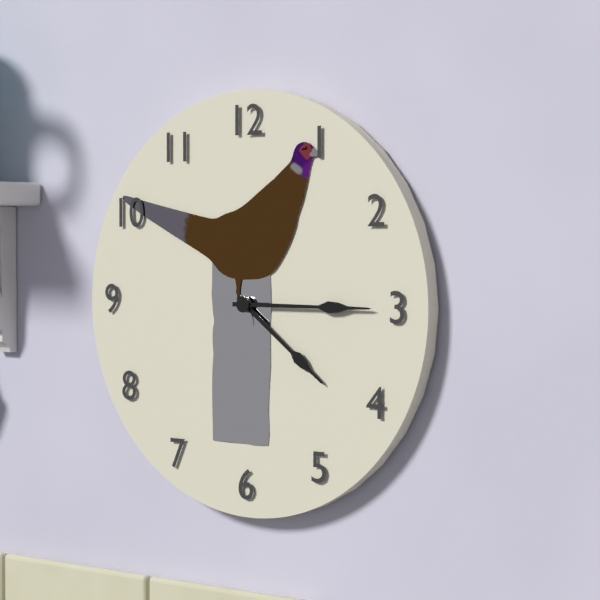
4:15
